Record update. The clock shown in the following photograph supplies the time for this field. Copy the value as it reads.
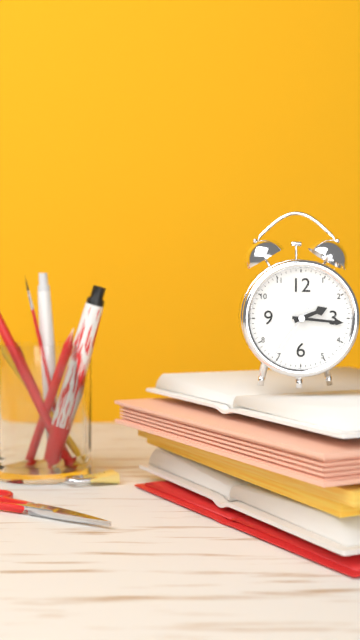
2:16:36
